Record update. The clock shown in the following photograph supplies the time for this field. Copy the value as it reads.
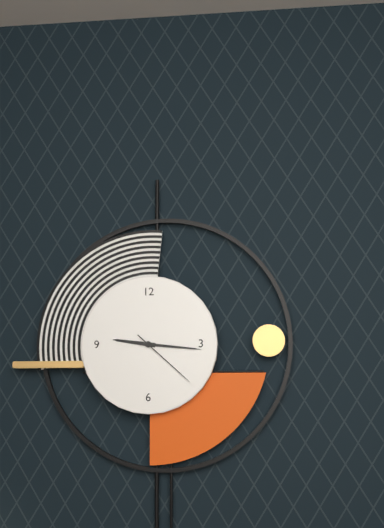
9:16:22
